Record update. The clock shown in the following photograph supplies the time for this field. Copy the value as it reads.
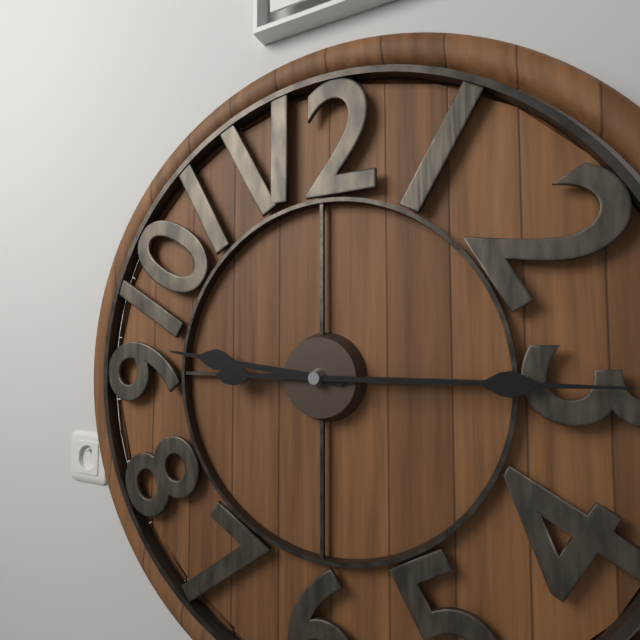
9:15
